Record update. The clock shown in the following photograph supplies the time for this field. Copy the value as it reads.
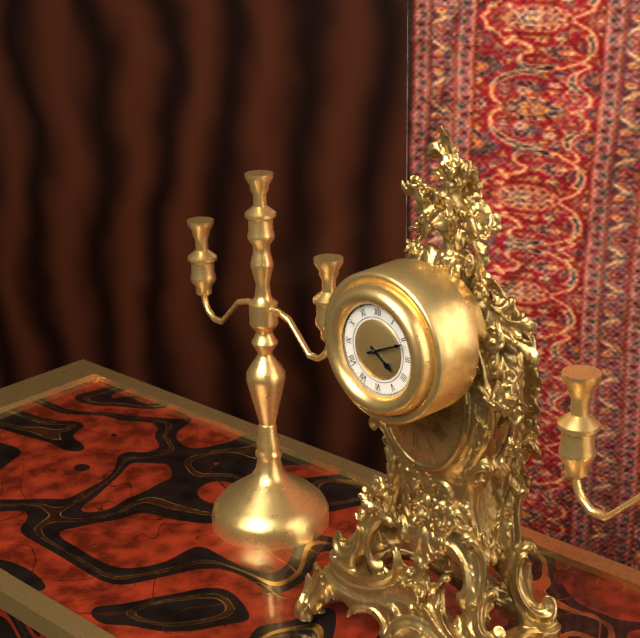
4:11
